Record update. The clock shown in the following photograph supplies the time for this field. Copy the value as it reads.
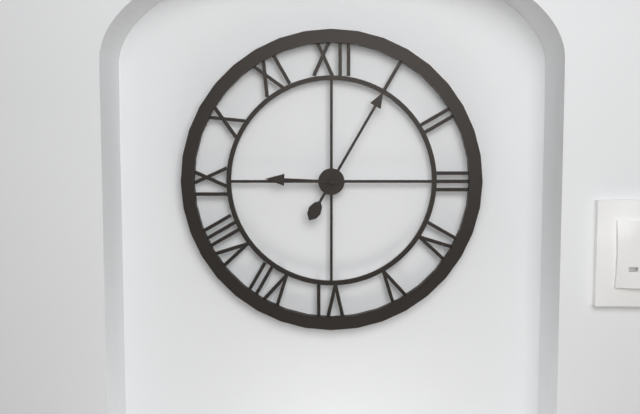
9:05
